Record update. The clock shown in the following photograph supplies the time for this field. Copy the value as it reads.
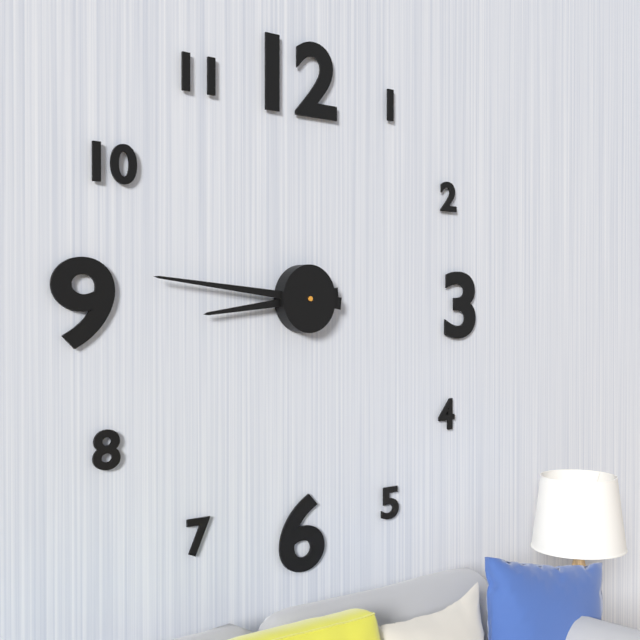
8:46
